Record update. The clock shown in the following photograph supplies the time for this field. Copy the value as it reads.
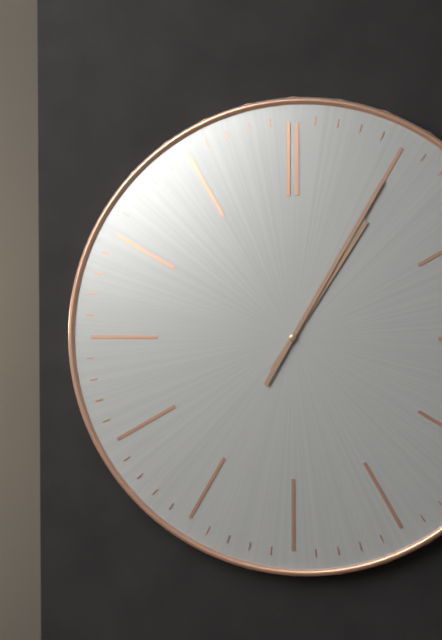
1:05
